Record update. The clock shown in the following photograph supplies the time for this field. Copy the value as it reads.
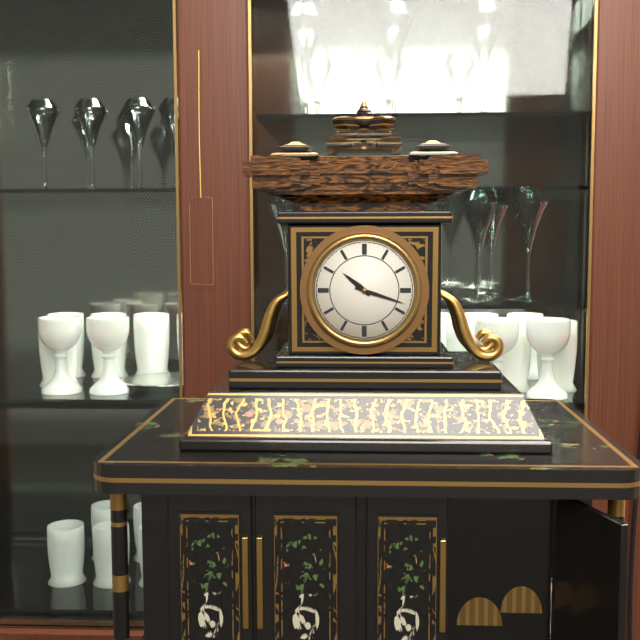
10:18
